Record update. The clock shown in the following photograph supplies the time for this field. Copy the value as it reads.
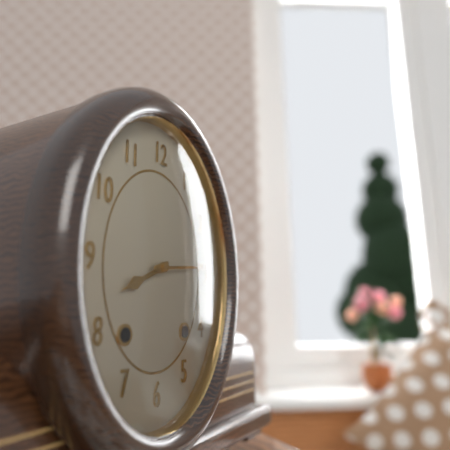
8:14
